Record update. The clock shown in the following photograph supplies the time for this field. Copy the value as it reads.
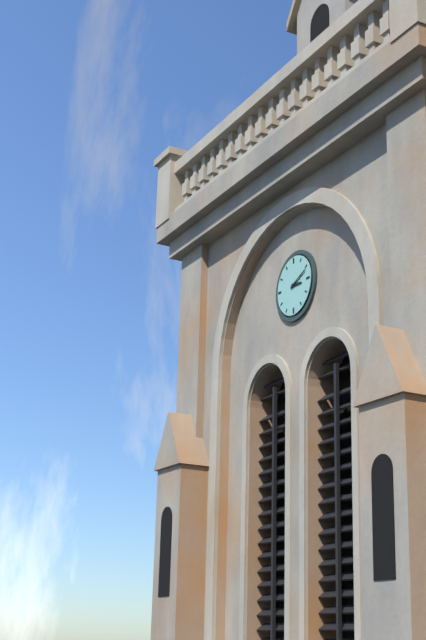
3:11
